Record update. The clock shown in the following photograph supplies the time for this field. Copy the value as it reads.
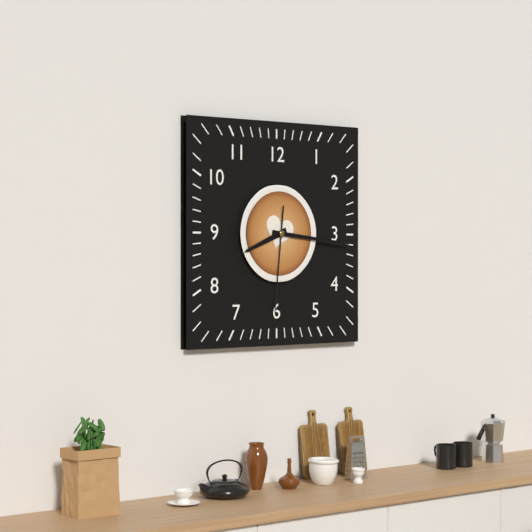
8:16:31
